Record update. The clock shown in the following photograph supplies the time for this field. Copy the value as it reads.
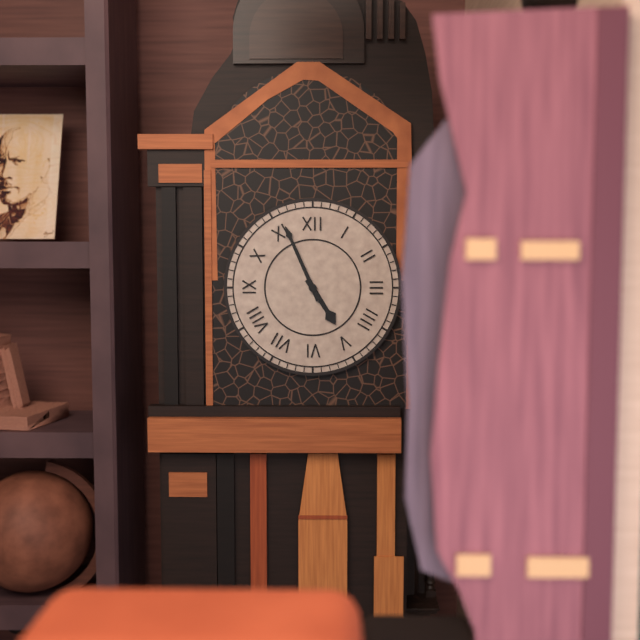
4:56
